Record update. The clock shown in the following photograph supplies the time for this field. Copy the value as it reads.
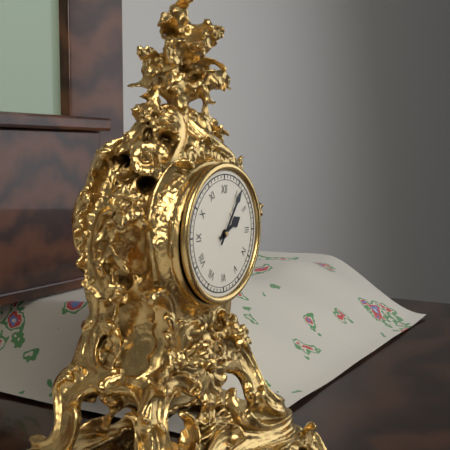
2:06
